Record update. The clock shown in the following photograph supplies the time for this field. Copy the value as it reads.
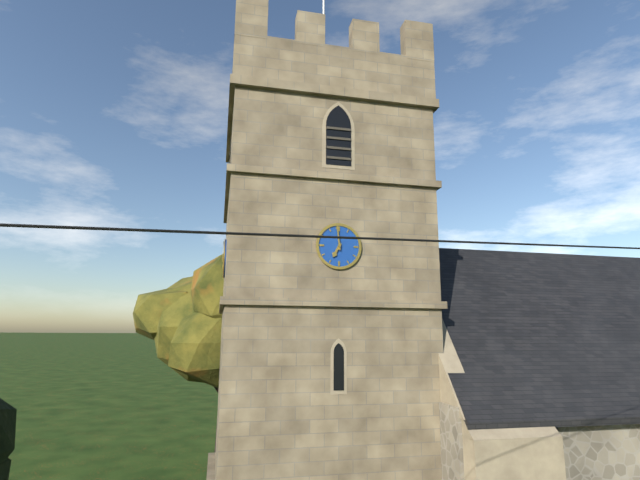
6:59
